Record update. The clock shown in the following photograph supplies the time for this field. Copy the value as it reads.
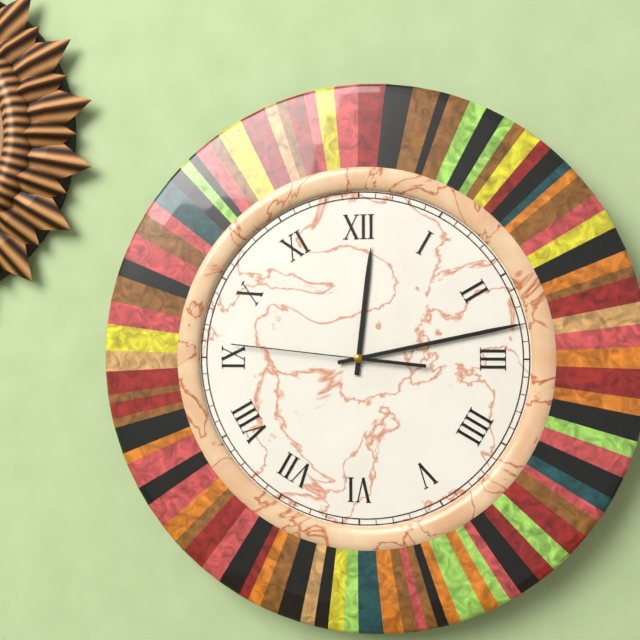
12:13:46
